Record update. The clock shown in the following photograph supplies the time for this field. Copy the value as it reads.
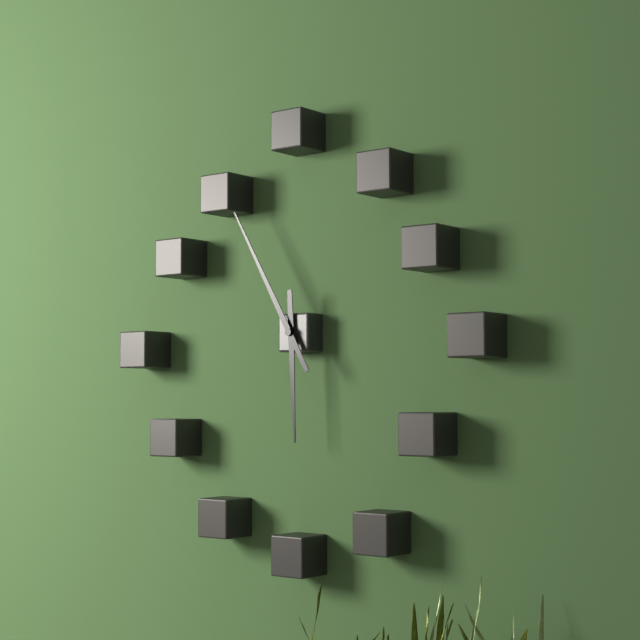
5:55
